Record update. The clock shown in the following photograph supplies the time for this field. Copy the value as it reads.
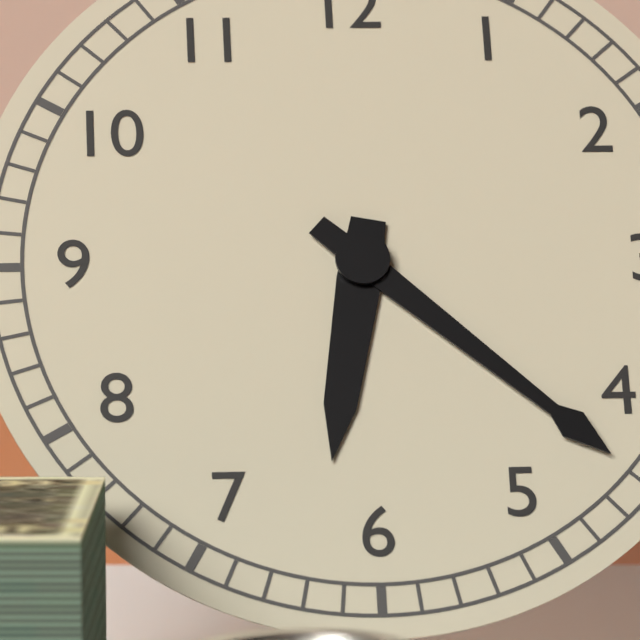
6:22
